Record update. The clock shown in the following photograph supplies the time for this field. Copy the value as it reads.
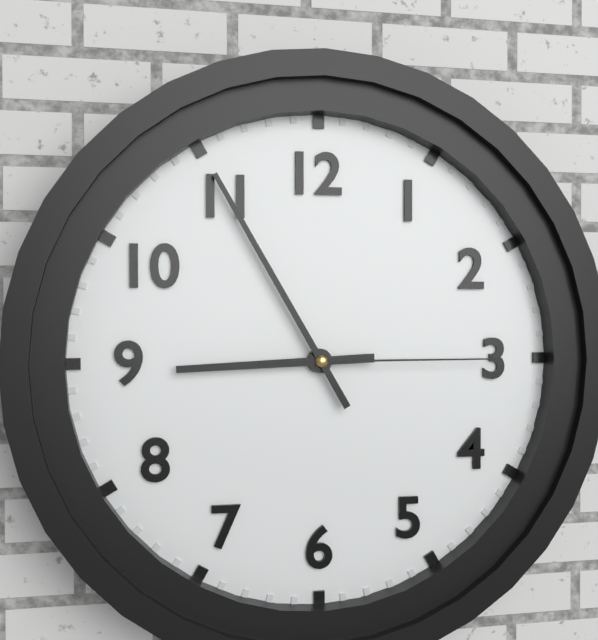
8:55:15
